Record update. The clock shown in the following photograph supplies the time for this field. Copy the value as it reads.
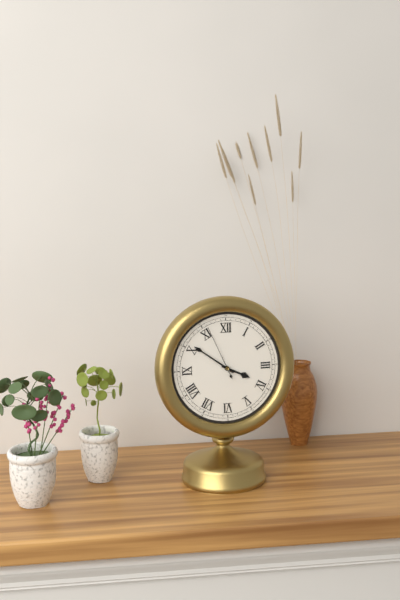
3:51:56
